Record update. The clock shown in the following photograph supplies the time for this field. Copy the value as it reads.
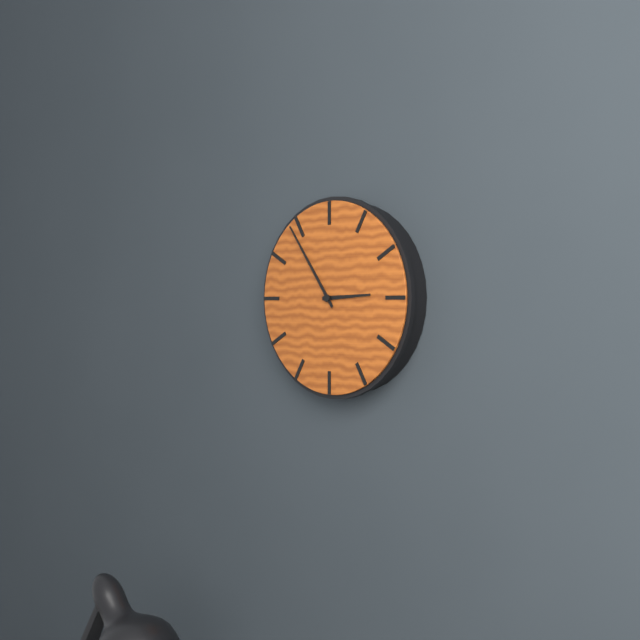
2:54
